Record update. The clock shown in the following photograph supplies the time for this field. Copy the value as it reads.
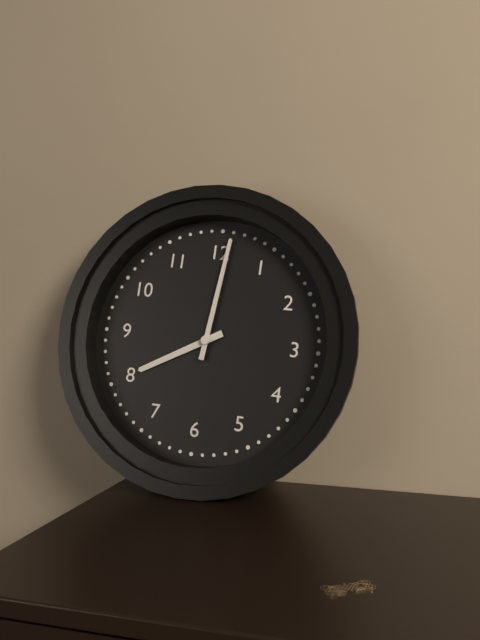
8:01
